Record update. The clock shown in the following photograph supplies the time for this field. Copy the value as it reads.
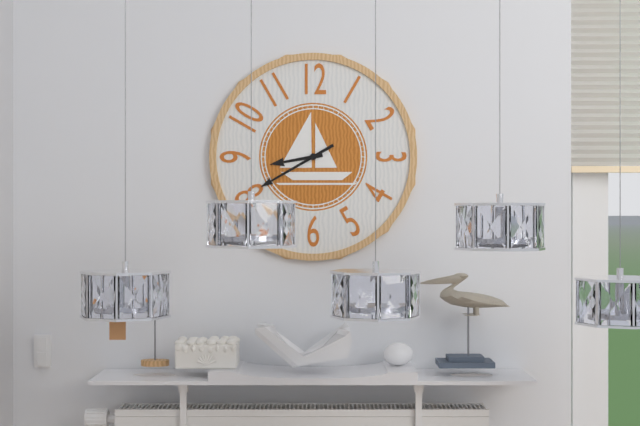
8:40
